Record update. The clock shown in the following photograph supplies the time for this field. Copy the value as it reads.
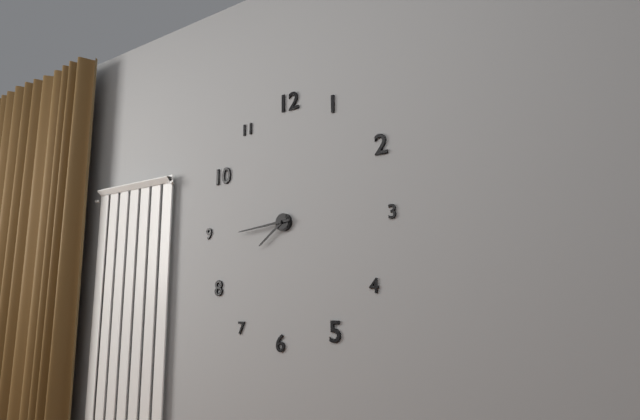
7:44
